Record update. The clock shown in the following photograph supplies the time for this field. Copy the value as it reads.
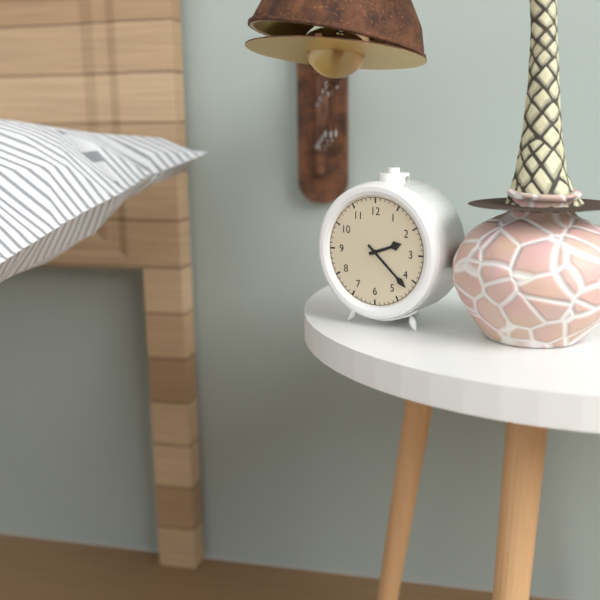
2:22
